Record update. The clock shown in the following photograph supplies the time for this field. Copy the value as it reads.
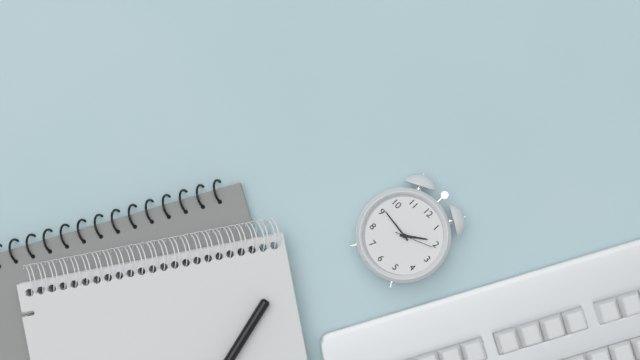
1:46
